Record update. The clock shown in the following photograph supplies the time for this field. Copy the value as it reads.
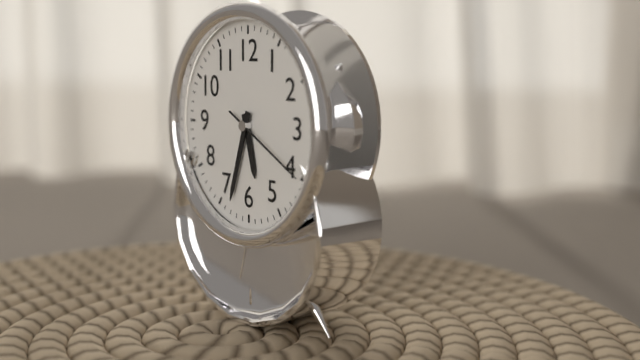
5:33:20
